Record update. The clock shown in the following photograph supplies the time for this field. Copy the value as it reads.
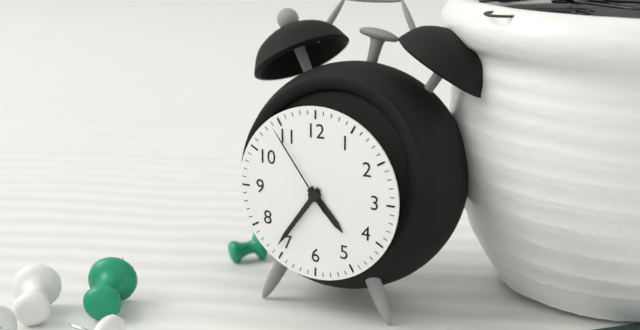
4:36:54
